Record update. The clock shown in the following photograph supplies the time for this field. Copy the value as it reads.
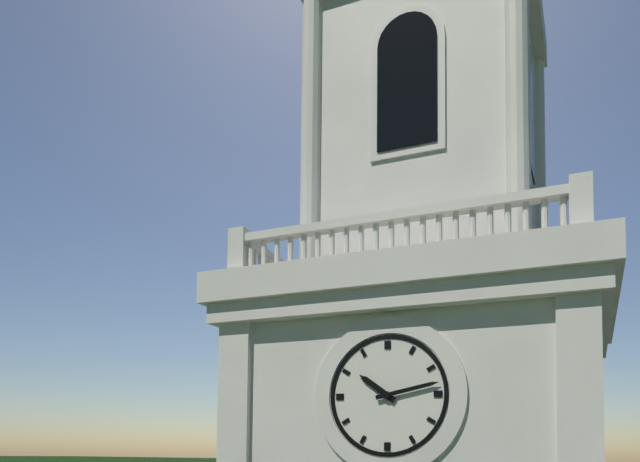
10:13
